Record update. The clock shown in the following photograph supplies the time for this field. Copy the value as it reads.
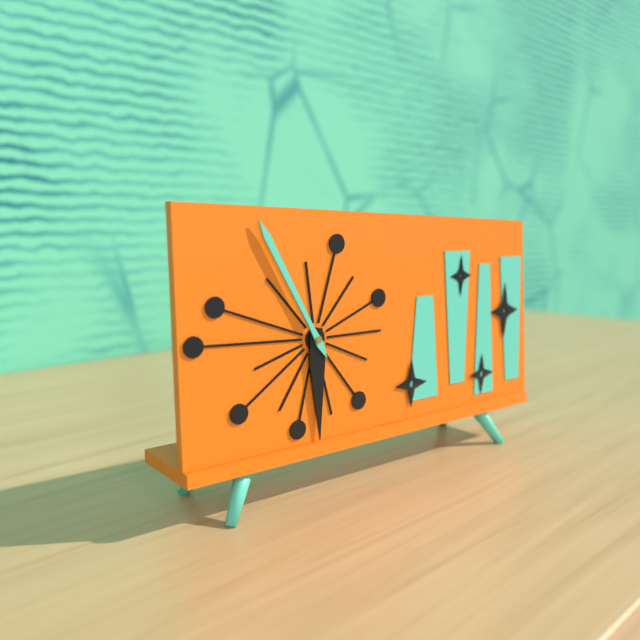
5:55
